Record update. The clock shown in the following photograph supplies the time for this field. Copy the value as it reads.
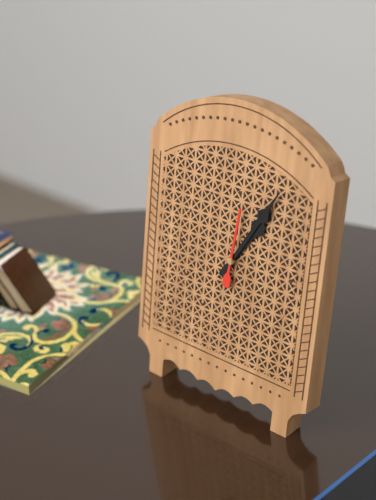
1:05:01
